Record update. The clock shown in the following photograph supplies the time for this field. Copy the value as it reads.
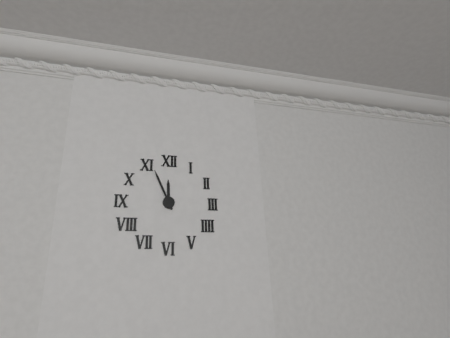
11:56
